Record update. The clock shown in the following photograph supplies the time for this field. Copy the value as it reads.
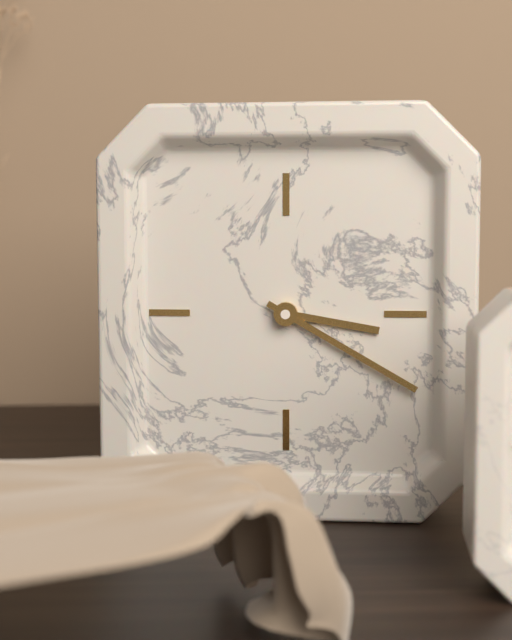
3:20
